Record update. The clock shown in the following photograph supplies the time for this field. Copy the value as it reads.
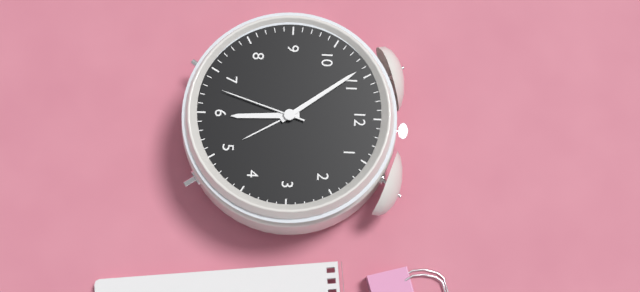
5:54:33
